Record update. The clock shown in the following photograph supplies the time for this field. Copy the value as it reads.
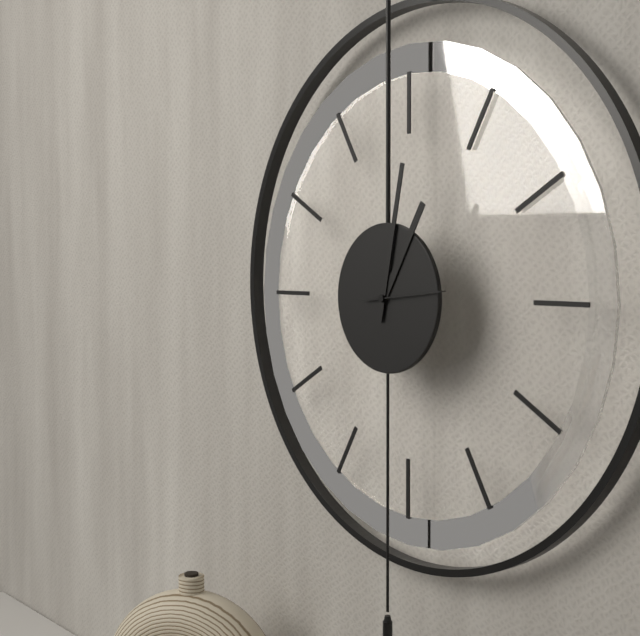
1:02:14
